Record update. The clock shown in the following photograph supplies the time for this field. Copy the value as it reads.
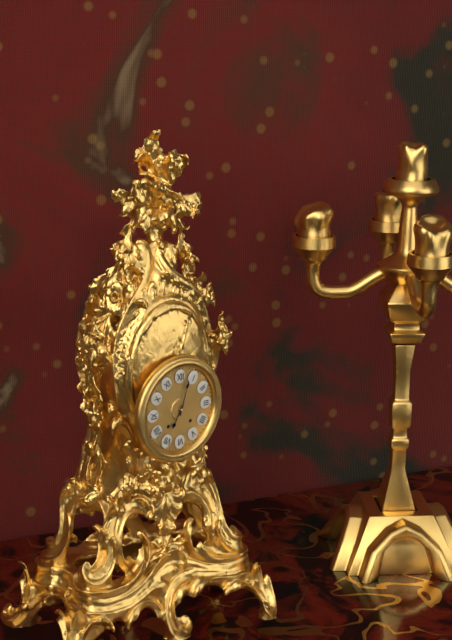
7:03
